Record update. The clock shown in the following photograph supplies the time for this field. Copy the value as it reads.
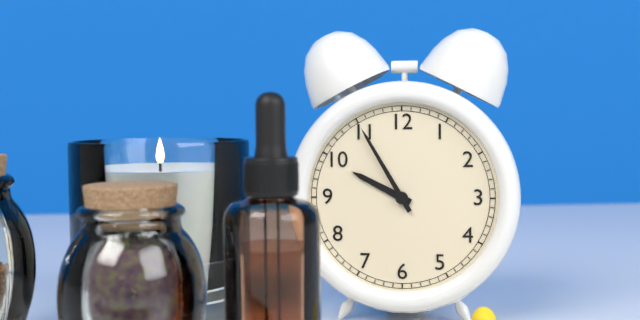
9:55
